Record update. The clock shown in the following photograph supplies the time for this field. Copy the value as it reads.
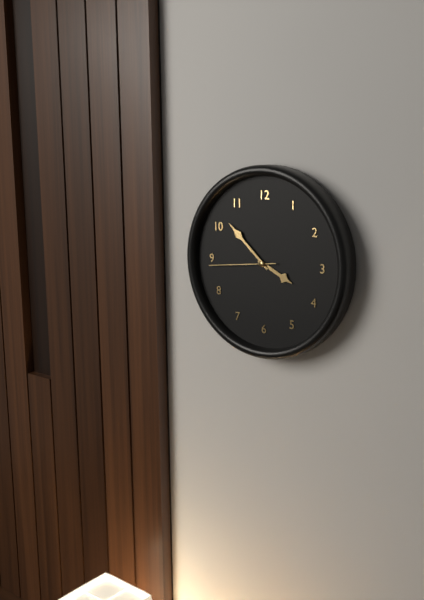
3:52:44
